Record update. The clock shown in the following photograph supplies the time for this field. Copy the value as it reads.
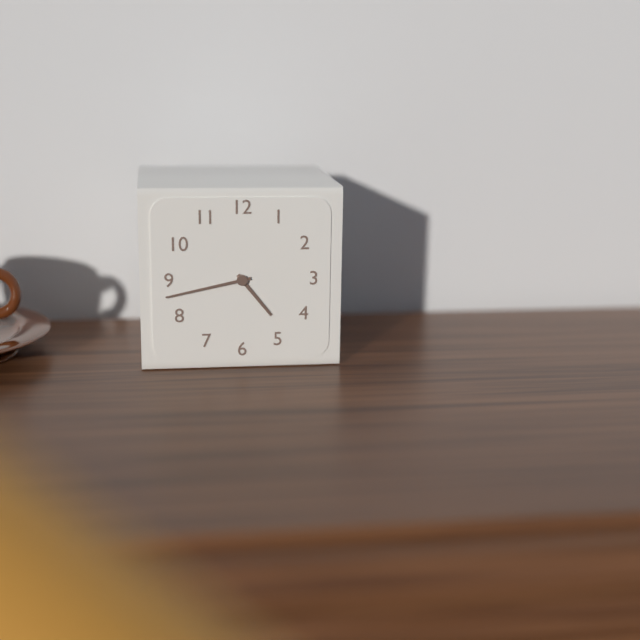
4:43
